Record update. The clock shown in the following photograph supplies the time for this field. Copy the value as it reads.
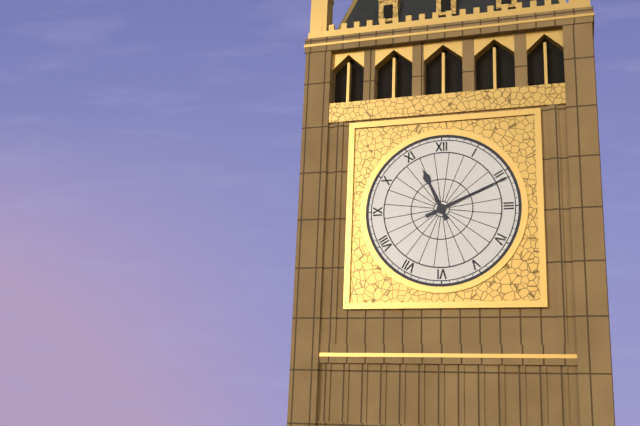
11:11
